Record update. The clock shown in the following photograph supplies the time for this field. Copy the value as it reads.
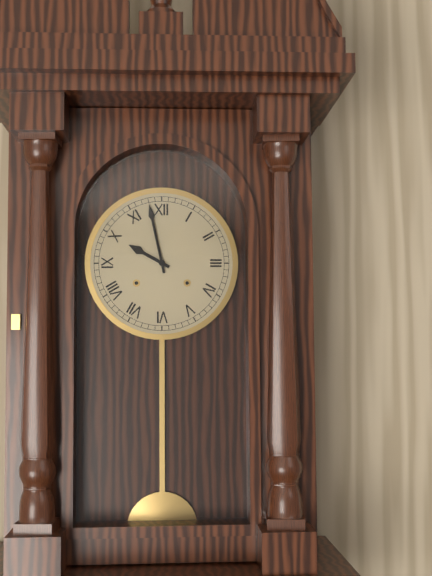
9:58
